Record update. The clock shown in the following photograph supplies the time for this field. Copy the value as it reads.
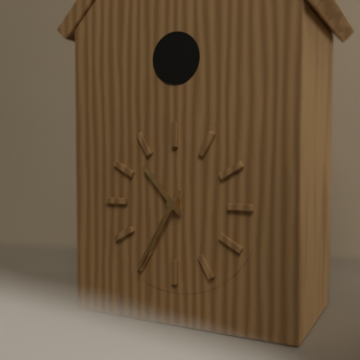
10:35
